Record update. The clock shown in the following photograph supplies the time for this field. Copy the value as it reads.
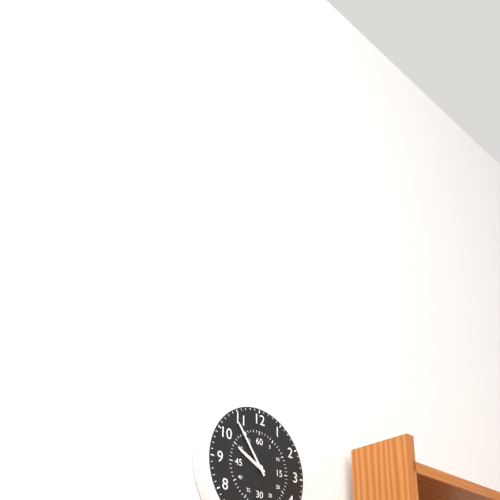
9:54
